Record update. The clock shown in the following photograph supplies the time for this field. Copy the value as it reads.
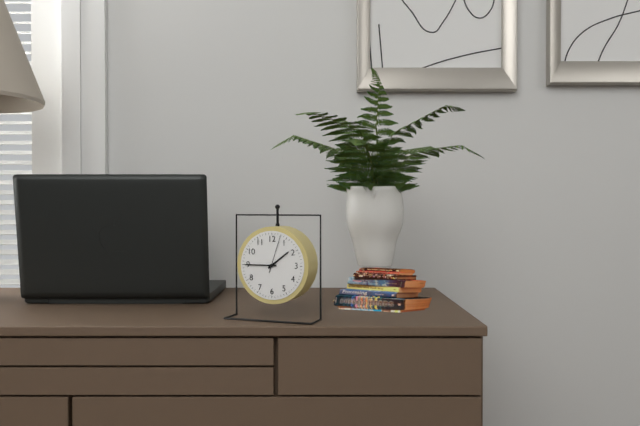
1:45
